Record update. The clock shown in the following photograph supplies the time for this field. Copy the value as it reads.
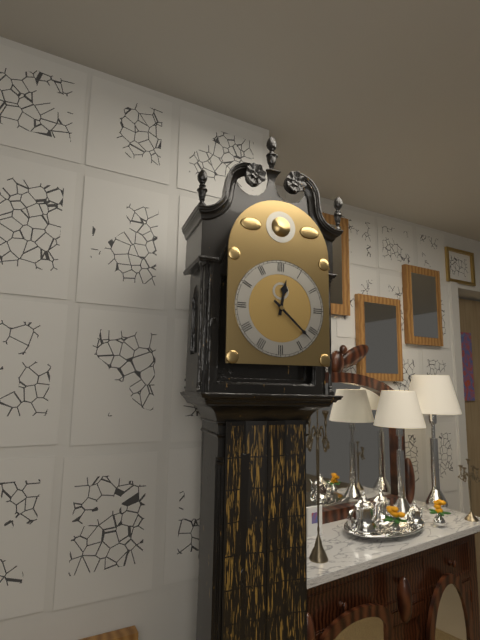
12:22
